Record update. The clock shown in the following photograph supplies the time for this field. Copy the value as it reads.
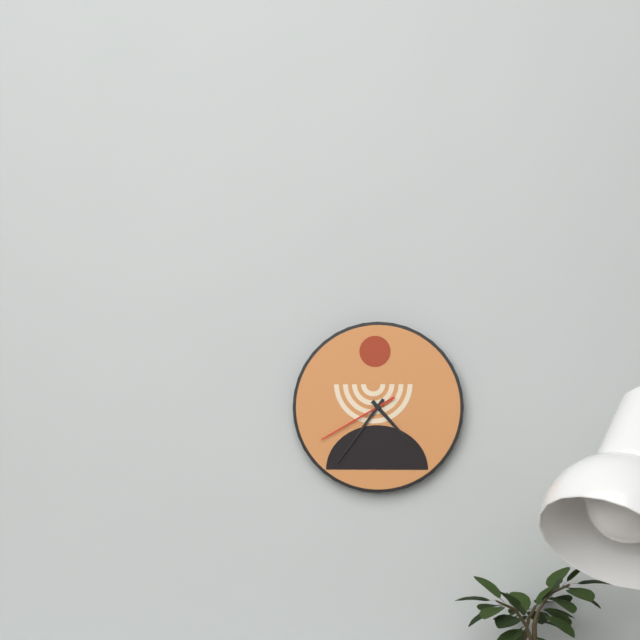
4:36:40
